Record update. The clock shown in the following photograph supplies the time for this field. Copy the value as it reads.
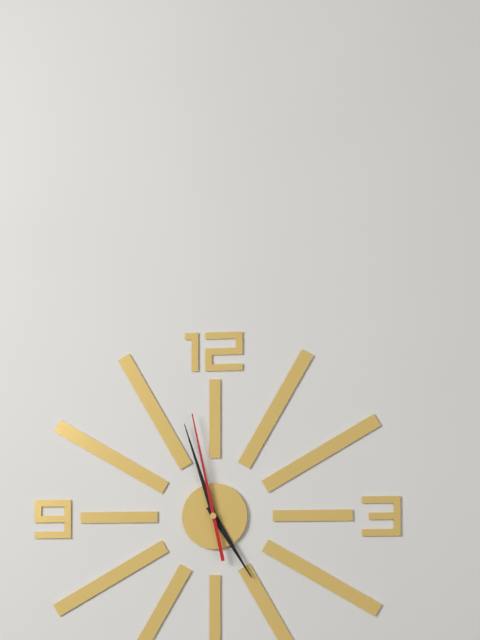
4:57:58
